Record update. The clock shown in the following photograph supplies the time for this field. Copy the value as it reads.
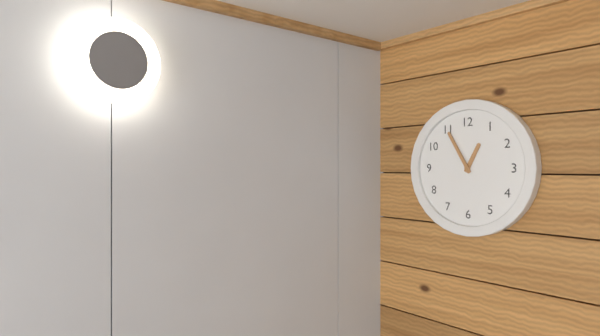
12:55
